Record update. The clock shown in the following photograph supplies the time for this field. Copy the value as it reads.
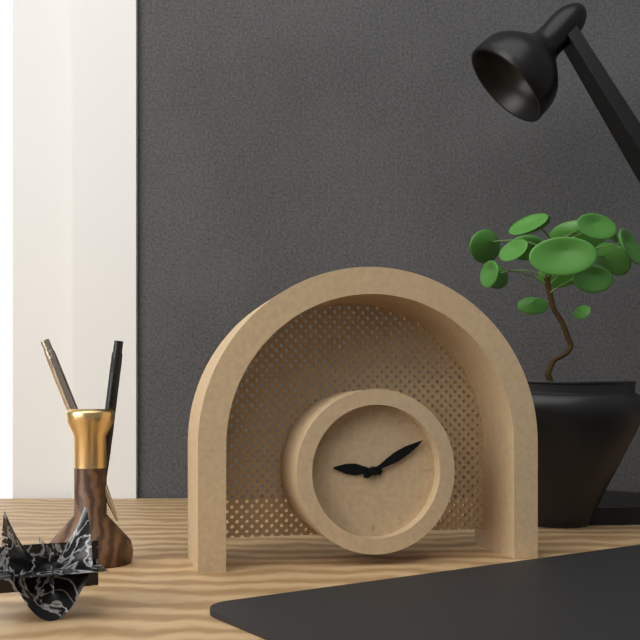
9:10
